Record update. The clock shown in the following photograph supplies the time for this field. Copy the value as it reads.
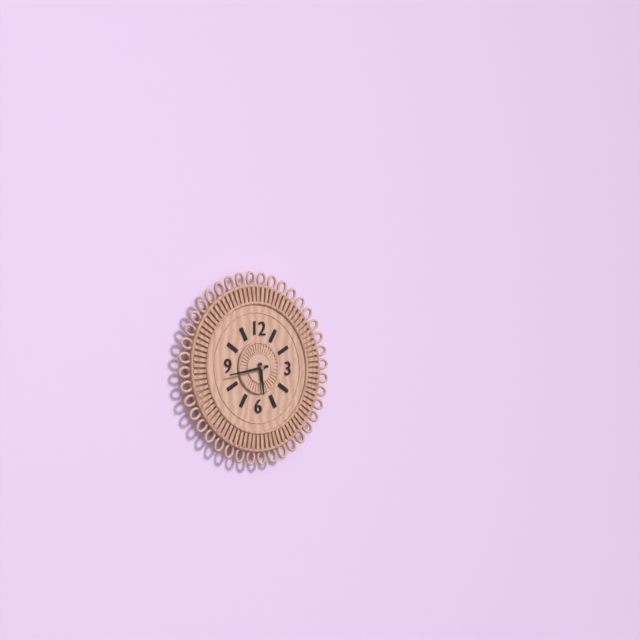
5:43
